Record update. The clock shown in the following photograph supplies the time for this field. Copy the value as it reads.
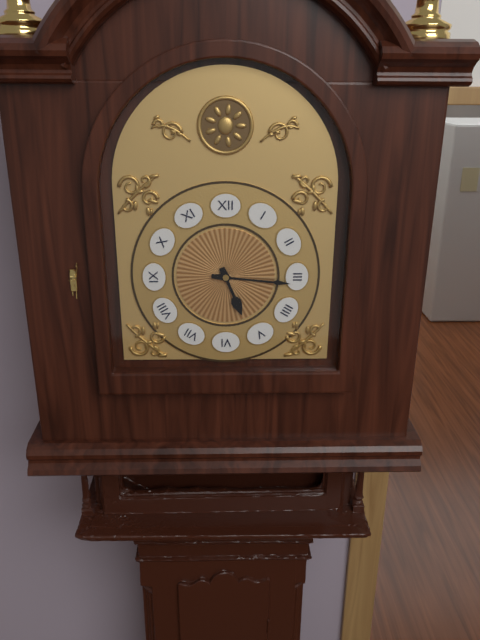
5:16
